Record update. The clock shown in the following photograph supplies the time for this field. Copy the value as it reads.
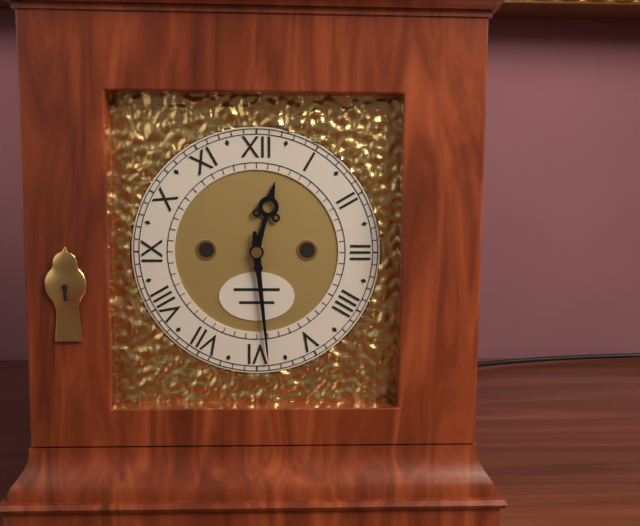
12:29
